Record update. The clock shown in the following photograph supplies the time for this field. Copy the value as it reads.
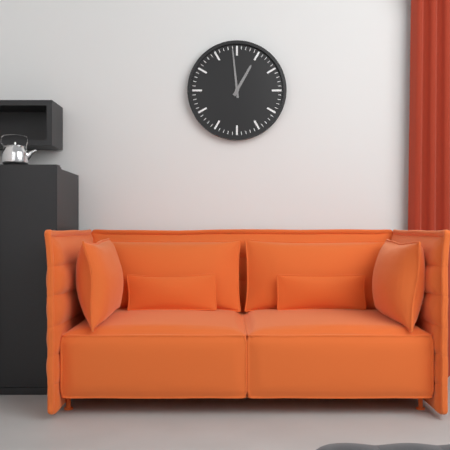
12:59
